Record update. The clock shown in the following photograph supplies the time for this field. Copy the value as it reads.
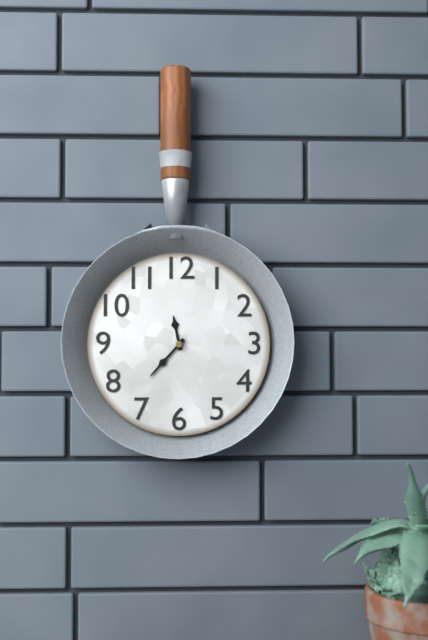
11:37
